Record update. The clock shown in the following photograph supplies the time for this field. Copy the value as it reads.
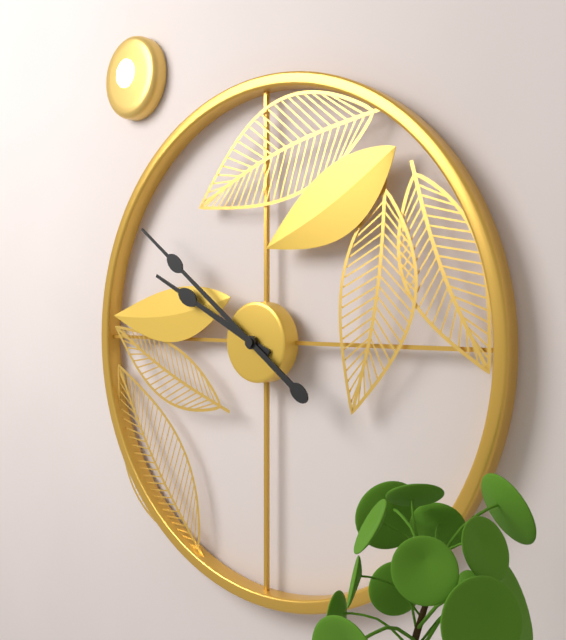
9:51
